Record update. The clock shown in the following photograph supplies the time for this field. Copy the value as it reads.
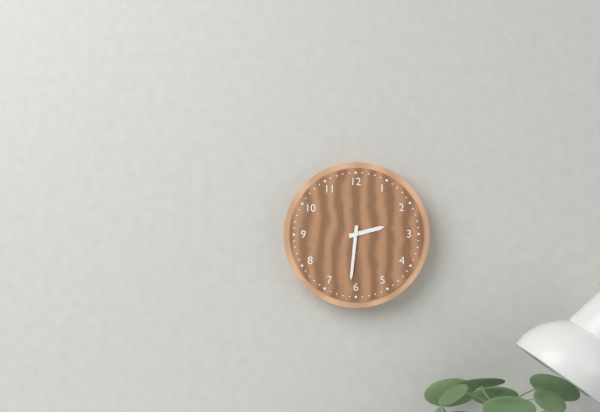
2:31
